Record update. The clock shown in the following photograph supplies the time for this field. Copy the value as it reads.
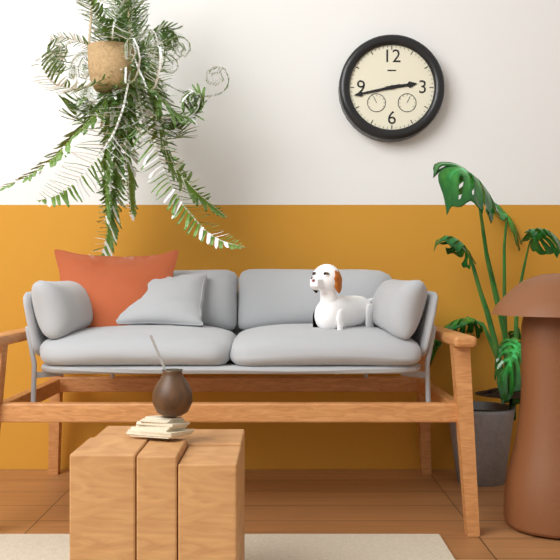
2:43
